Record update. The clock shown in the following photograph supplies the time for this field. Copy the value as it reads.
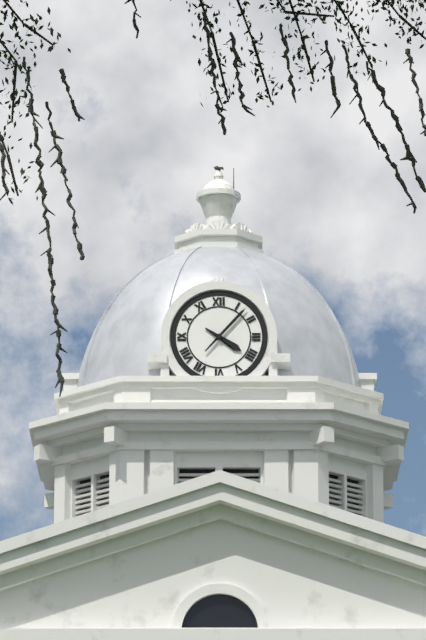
4:07
